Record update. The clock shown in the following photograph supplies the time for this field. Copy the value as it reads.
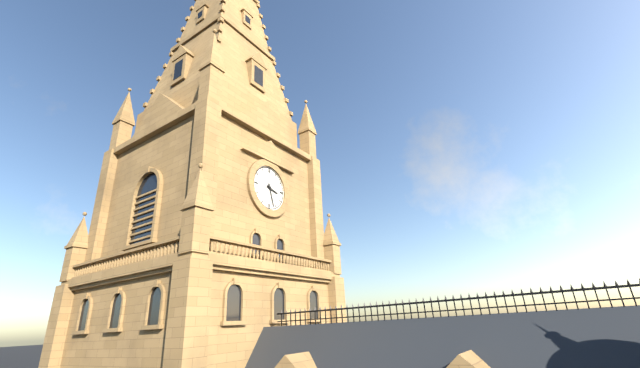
3:27
